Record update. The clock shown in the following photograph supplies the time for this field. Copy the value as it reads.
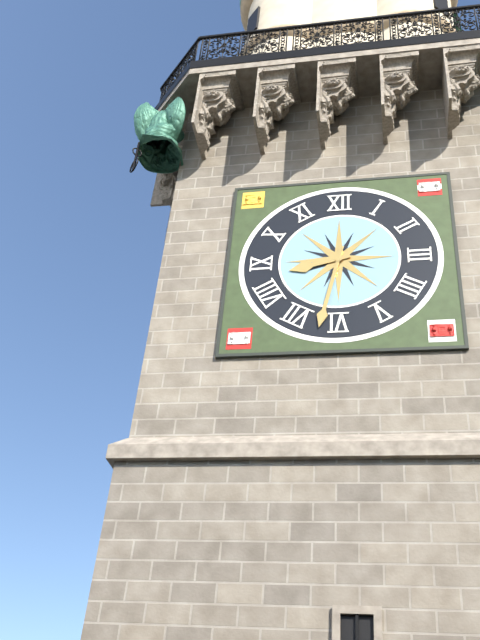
8:32
